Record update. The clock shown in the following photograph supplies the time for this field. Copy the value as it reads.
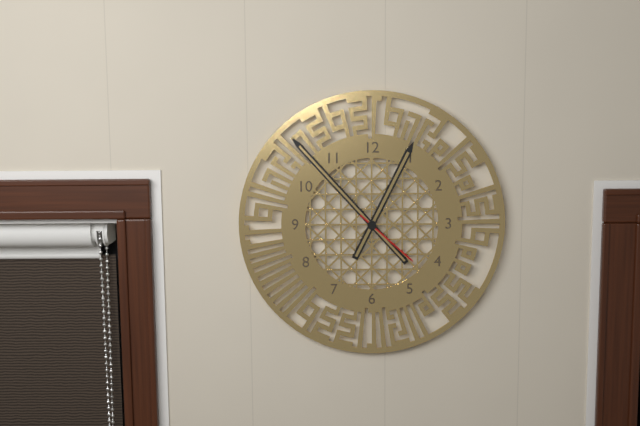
12:53:22
